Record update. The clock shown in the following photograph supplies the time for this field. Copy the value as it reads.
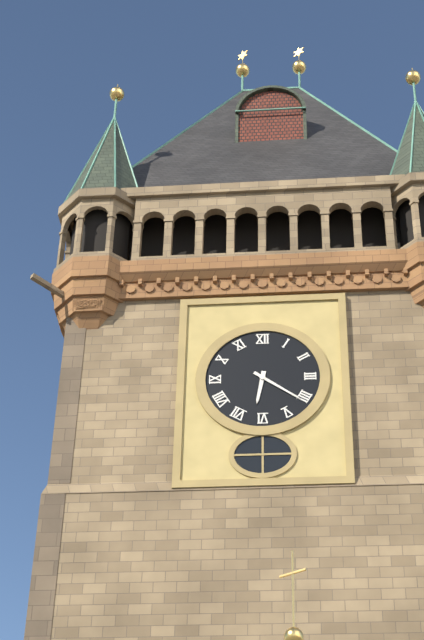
6:21
